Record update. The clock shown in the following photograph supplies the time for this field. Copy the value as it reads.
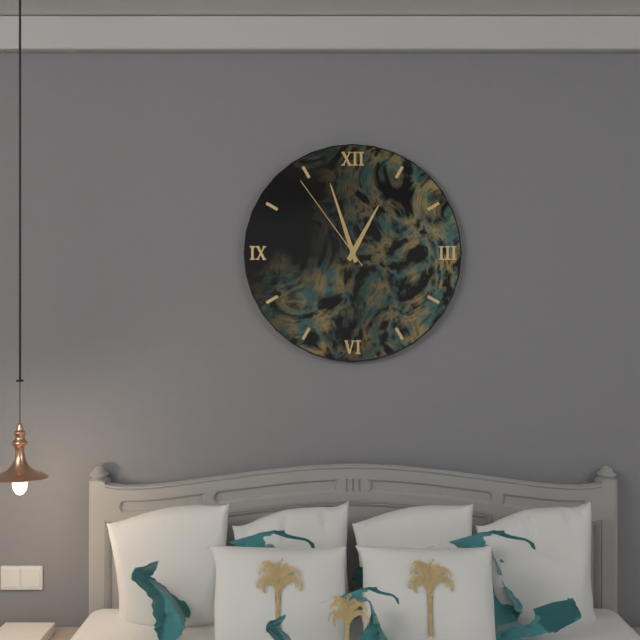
12:57:54
